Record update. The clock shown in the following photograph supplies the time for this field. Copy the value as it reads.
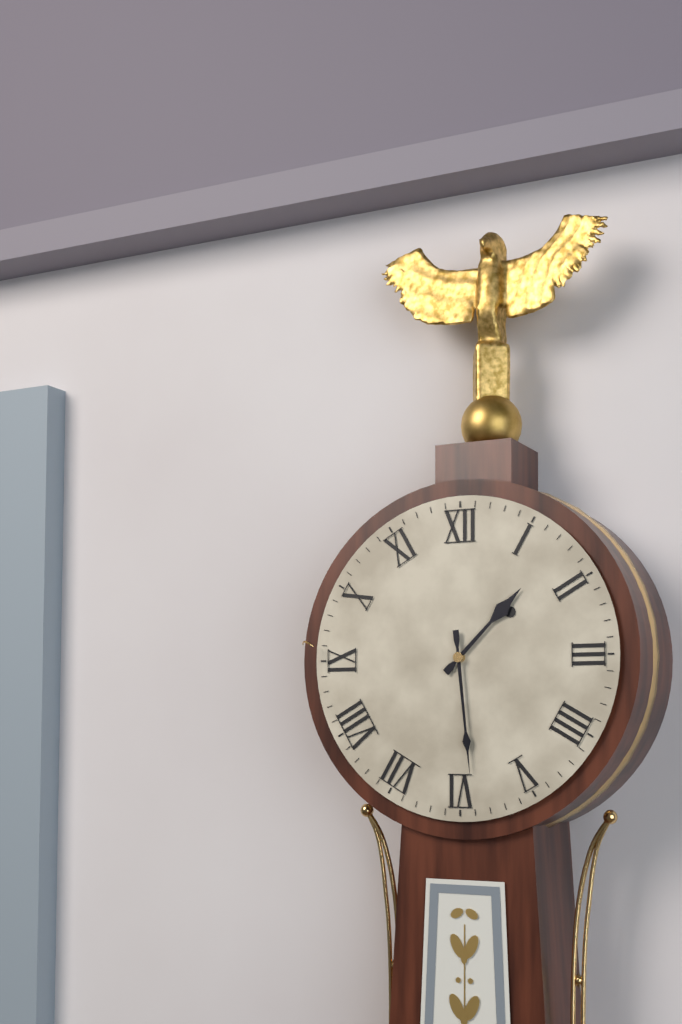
1:29
